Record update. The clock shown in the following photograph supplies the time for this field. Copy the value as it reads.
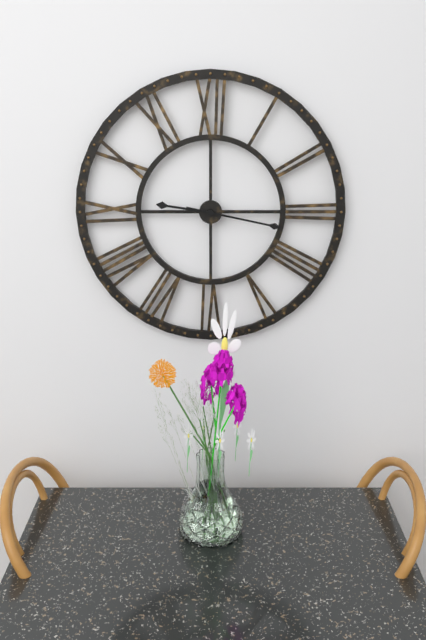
9:17
